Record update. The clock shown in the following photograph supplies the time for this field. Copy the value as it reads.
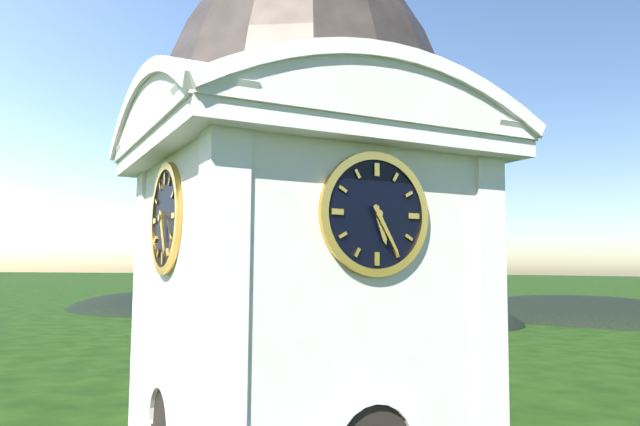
5:25
